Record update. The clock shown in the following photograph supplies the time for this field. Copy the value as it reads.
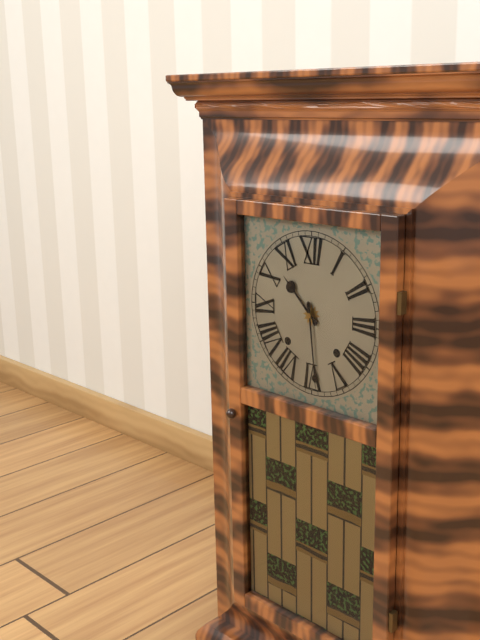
10:29
